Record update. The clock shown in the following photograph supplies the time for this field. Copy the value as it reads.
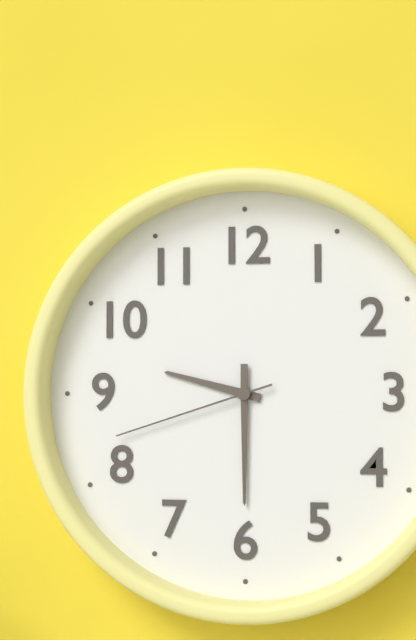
9:30:42
